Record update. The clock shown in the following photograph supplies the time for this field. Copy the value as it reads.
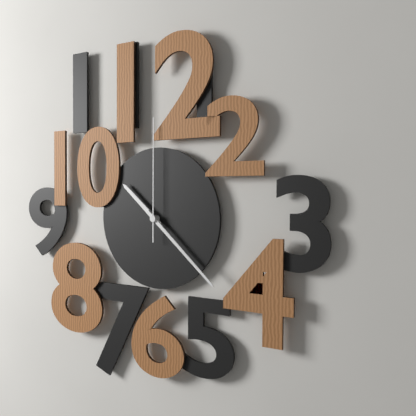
10:22:00
